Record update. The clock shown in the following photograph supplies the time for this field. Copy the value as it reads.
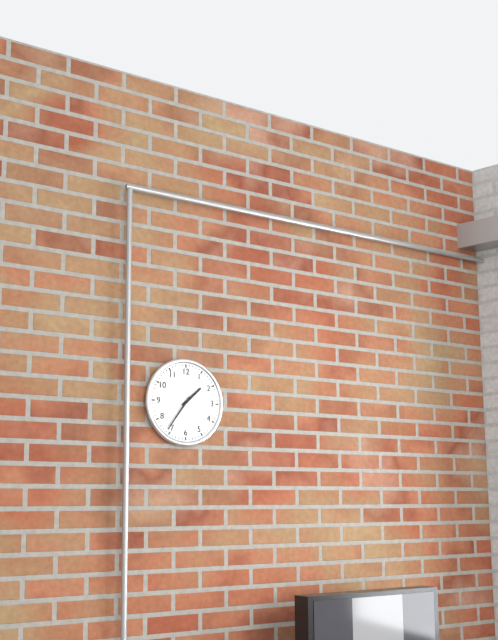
1:36
